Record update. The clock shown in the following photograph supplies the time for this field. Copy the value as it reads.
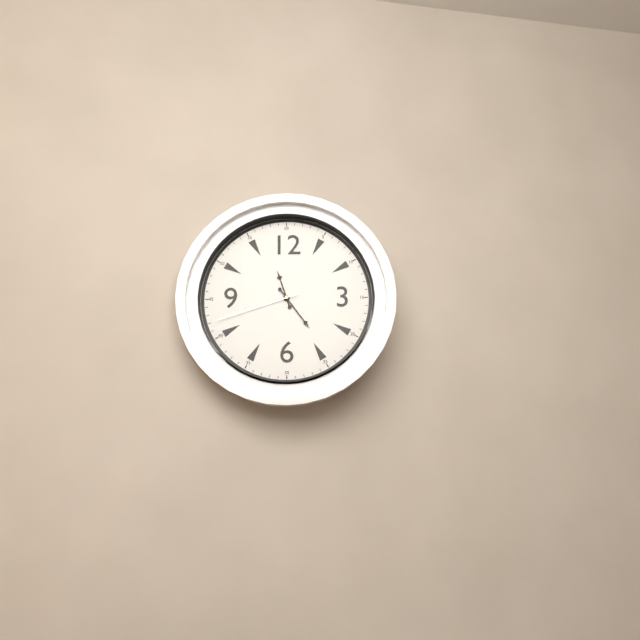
11:24:42
